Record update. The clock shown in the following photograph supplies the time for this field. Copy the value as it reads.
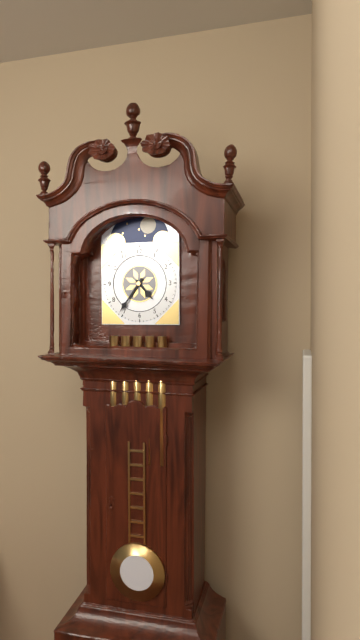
4:36
